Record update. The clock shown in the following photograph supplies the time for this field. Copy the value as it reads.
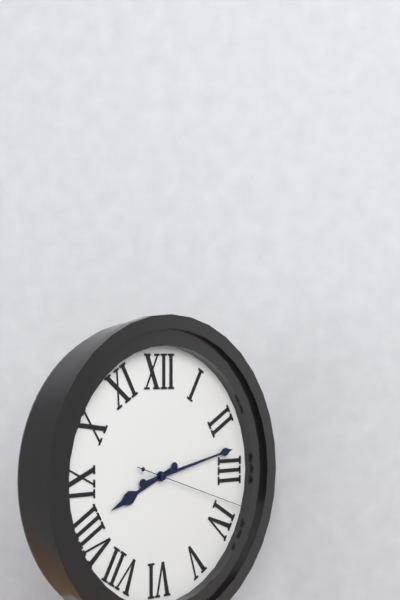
8:13:18
